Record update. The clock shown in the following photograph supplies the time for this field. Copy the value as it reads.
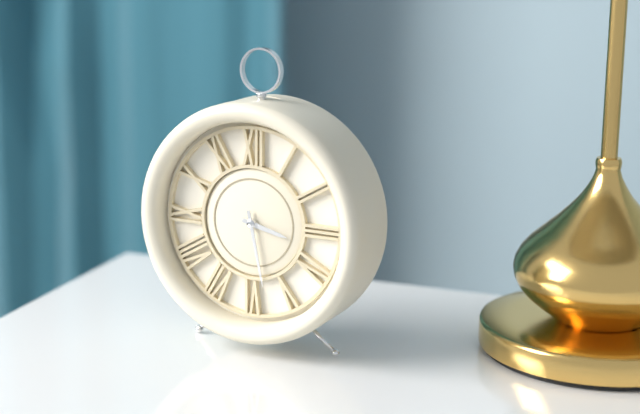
3:28
